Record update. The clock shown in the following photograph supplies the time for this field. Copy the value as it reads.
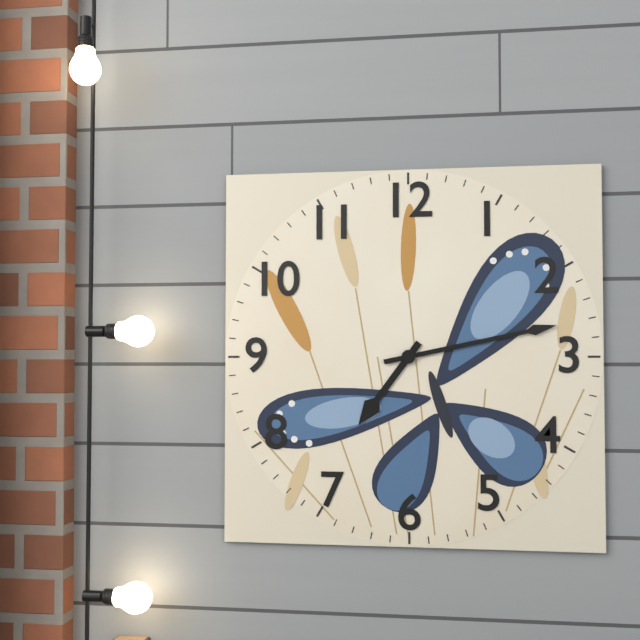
7:13
